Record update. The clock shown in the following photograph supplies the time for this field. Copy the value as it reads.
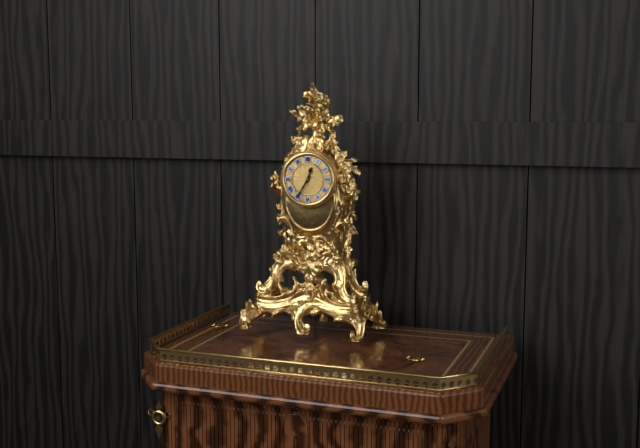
12:35
